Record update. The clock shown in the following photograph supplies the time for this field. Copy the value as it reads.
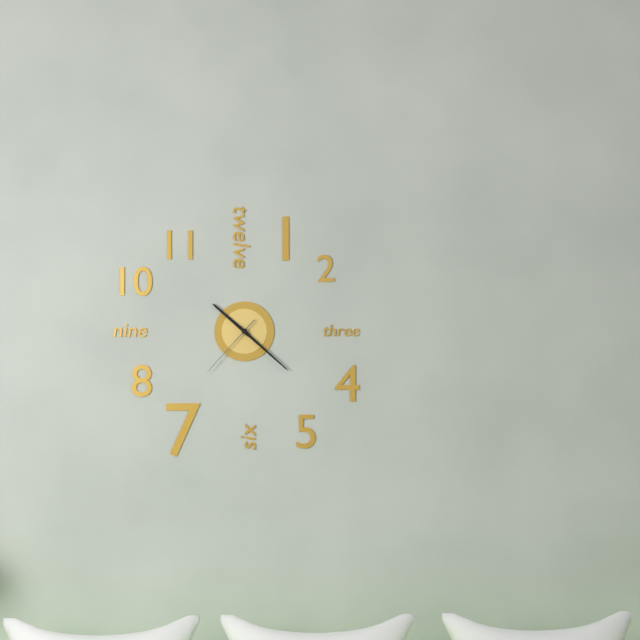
10:22:37
